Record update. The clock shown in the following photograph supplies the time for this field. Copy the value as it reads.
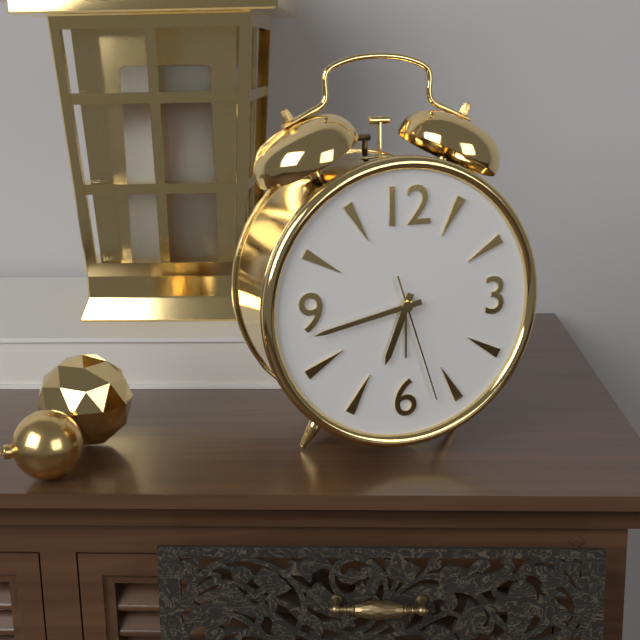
6:43:27
